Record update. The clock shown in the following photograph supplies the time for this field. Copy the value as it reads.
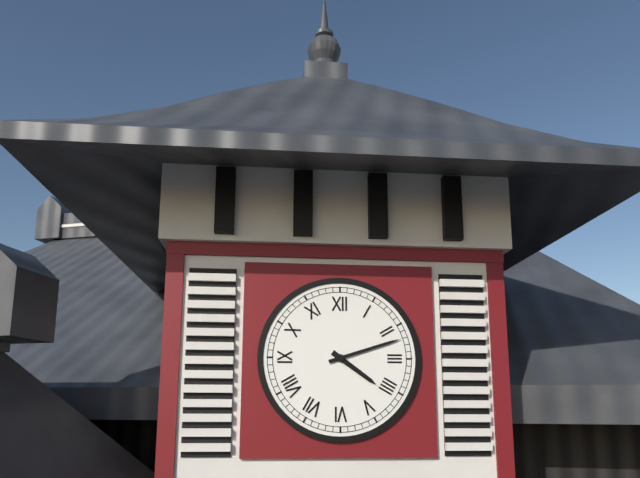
4:12
